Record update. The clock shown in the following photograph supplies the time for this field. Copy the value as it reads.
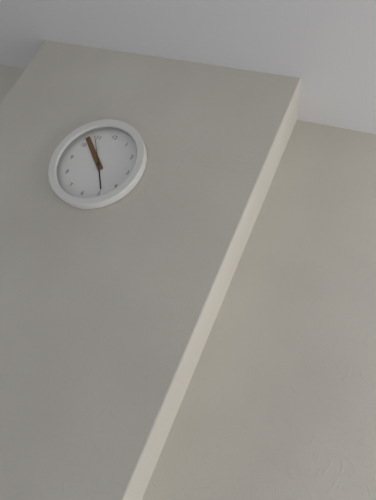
4:52
